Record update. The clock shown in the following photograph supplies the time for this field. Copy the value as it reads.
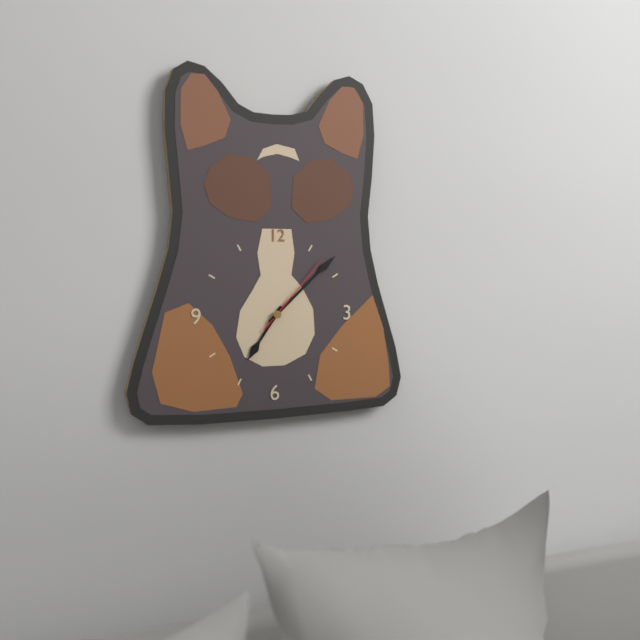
7:08:07
